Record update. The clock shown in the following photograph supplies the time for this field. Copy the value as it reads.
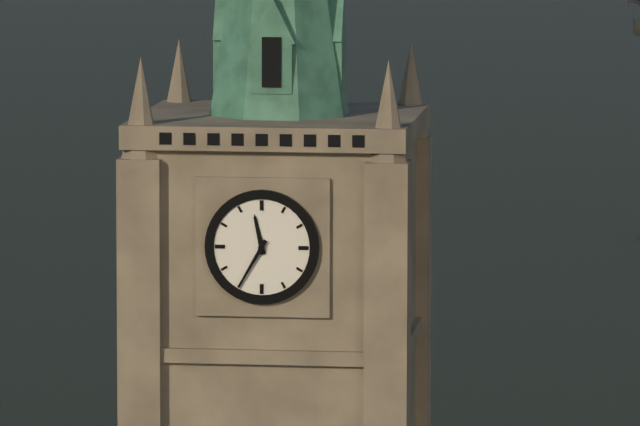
11:35
